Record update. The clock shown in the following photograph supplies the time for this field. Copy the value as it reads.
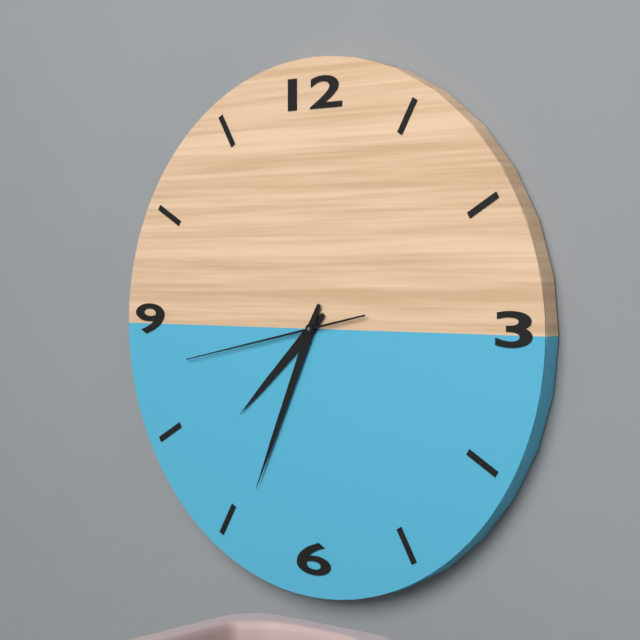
7:34:43
